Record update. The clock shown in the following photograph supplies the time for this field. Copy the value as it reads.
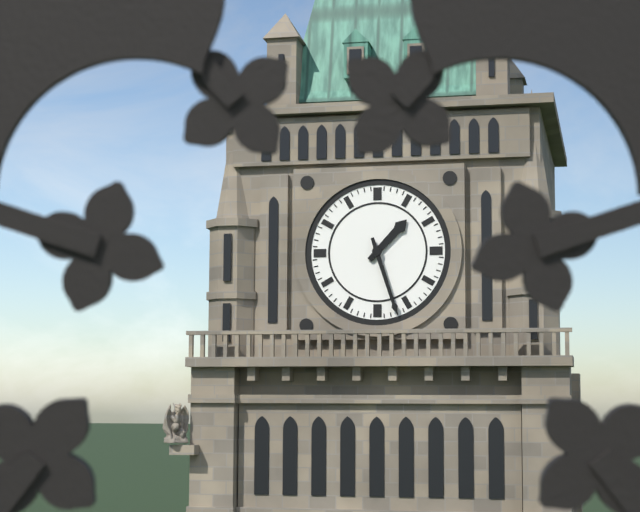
1:27
